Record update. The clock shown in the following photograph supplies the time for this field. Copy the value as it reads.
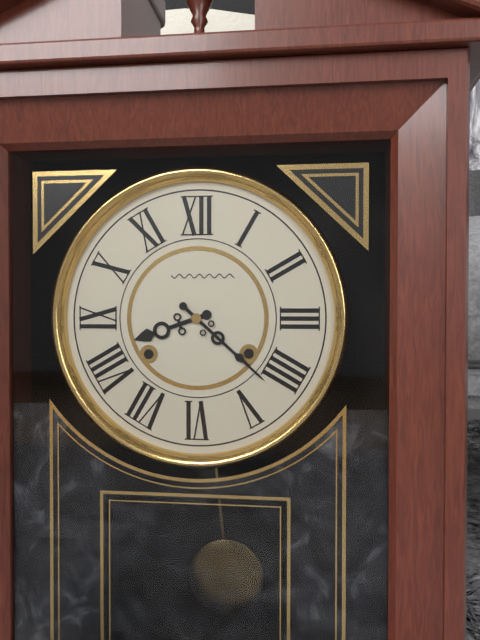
8:22
